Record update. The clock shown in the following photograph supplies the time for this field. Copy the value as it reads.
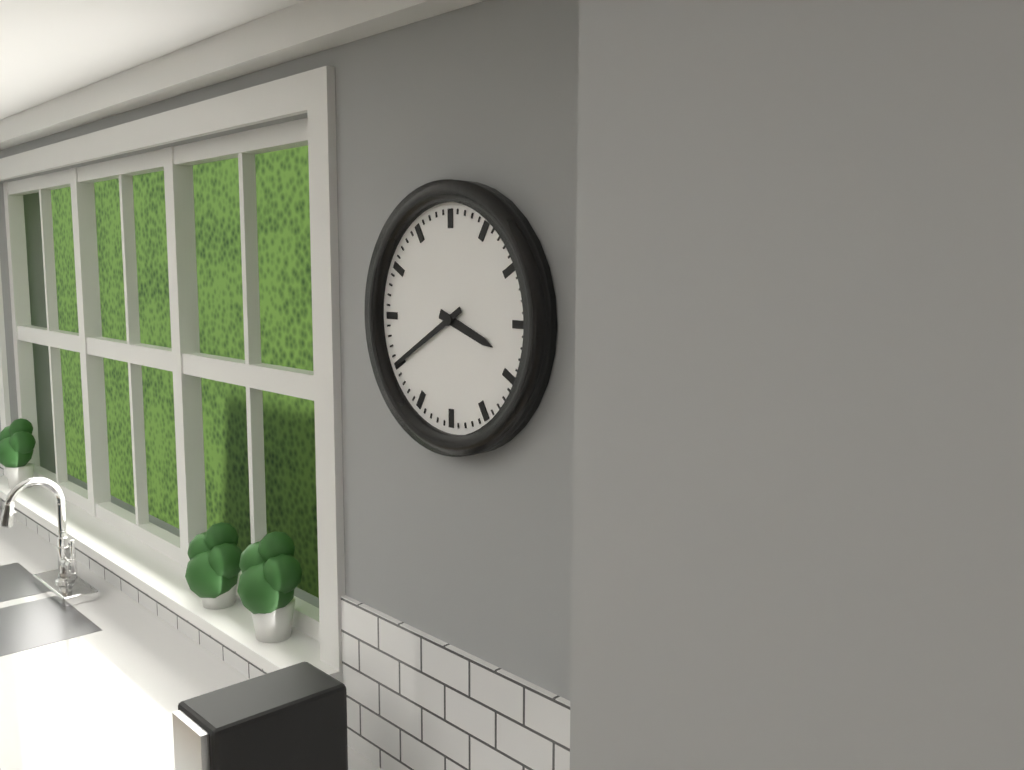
3:40
